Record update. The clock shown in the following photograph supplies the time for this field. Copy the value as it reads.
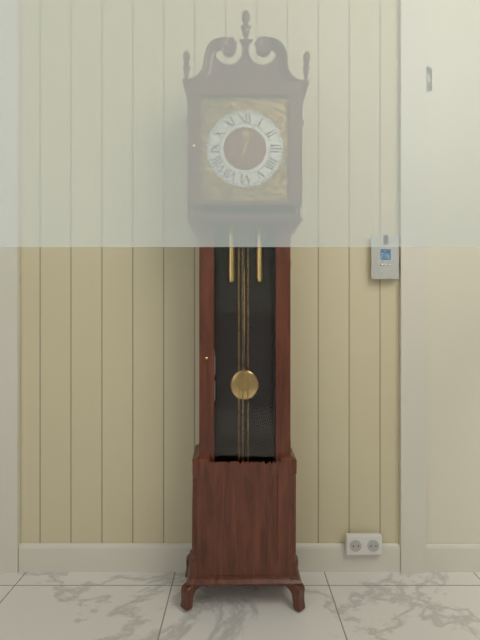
12:04
